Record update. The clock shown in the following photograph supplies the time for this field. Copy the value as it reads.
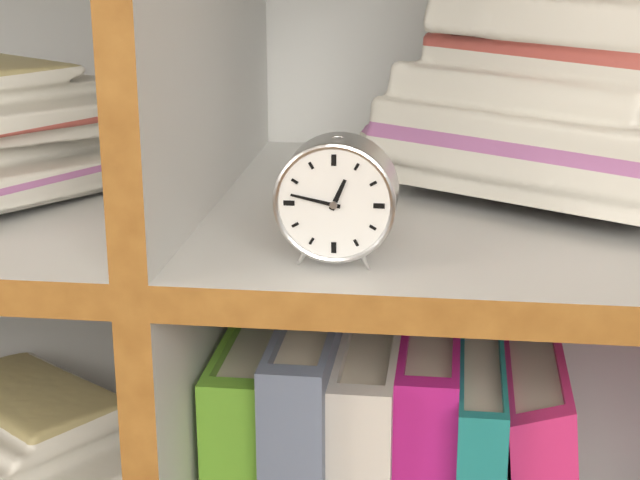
12:47
